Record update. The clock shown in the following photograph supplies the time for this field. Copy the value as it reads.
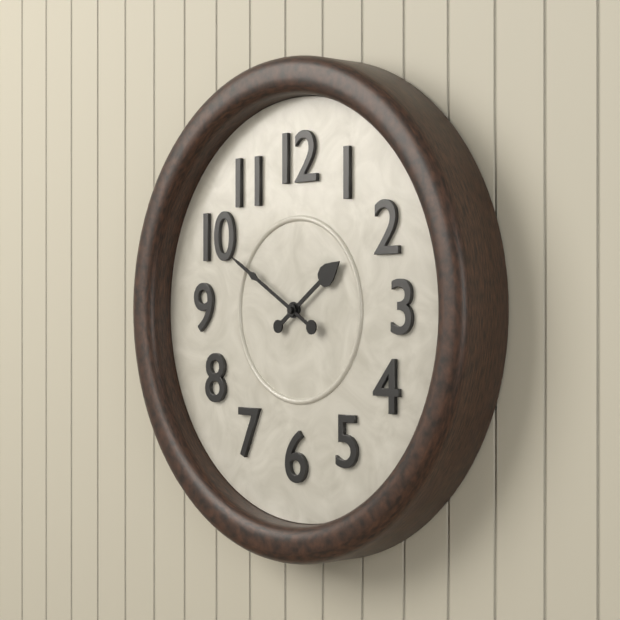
1:50
